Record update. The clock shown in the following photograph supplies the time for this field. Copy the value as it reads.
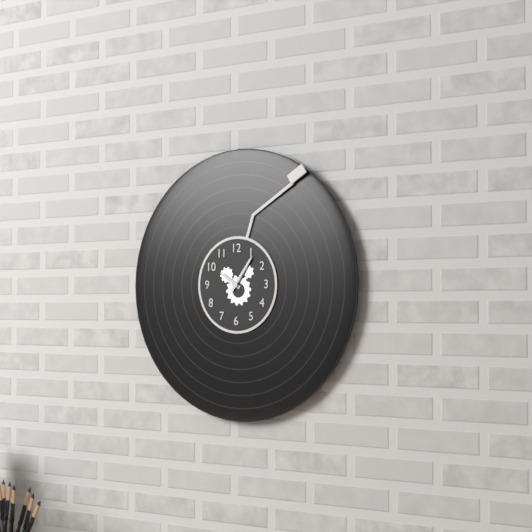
10:06
